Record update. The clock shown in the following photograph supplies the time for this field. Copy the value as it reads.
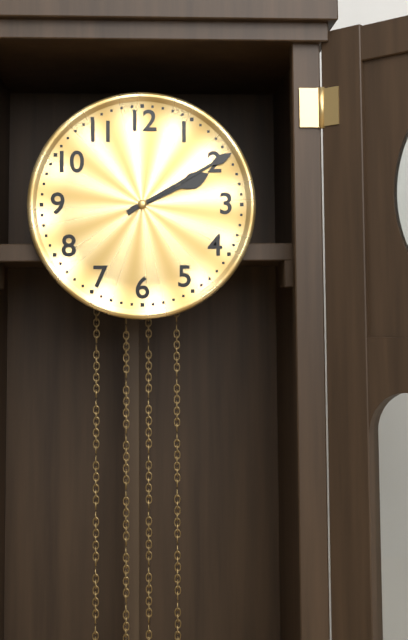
2:10
